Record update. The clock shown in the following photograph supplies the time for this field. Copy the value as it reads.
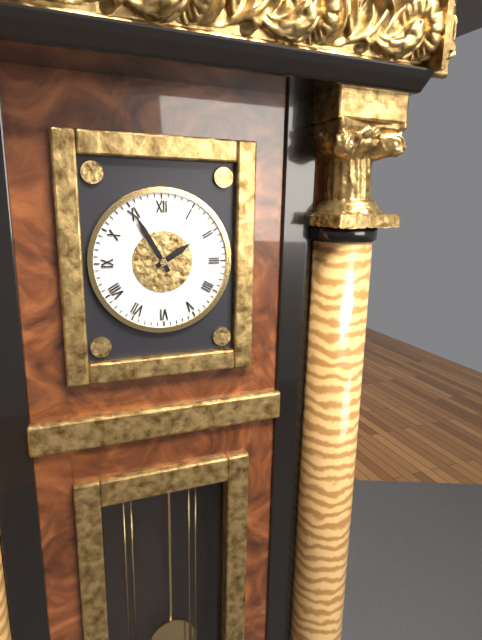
1:55
